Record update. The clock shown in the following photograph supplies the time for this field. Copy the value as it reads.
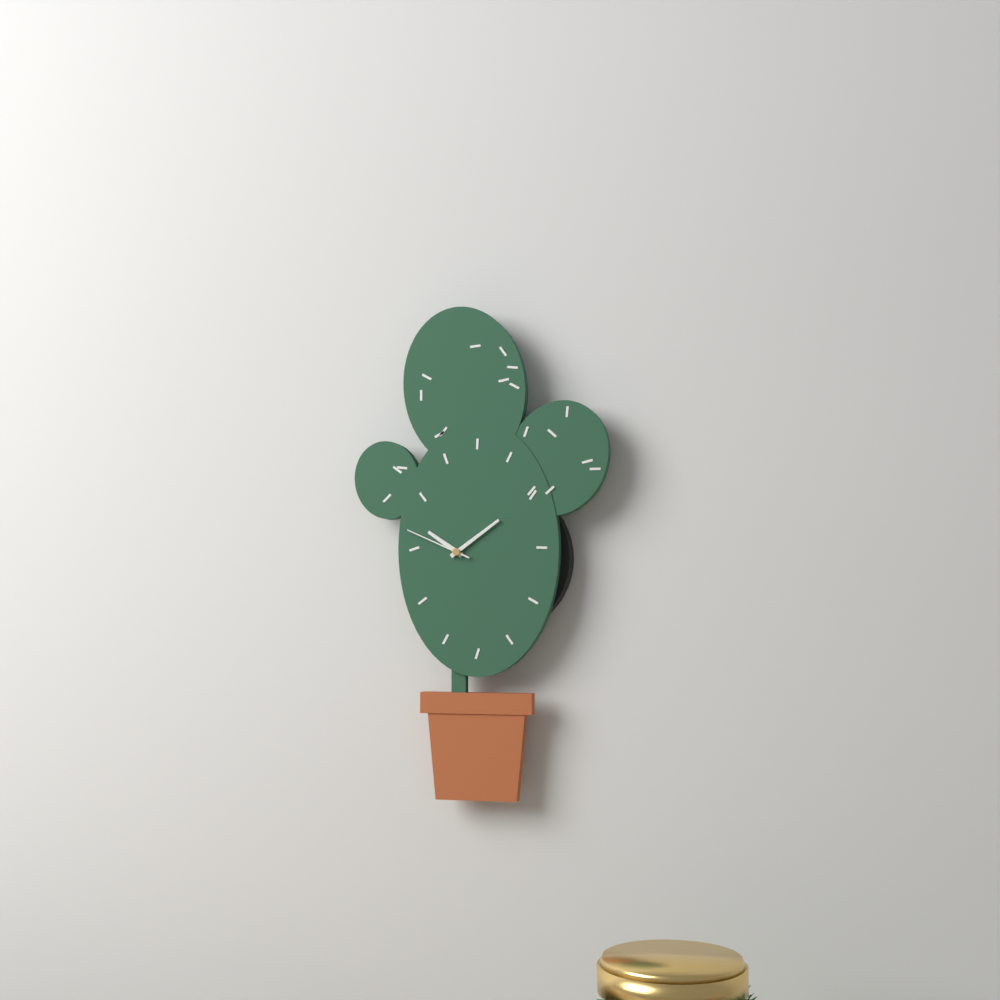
10:09:49
